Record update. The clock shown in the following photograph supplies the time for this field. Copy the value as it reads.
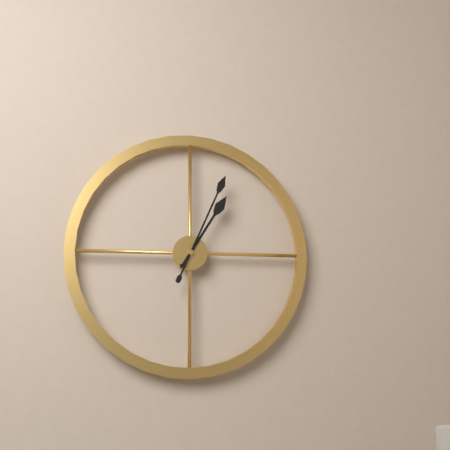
1:04
